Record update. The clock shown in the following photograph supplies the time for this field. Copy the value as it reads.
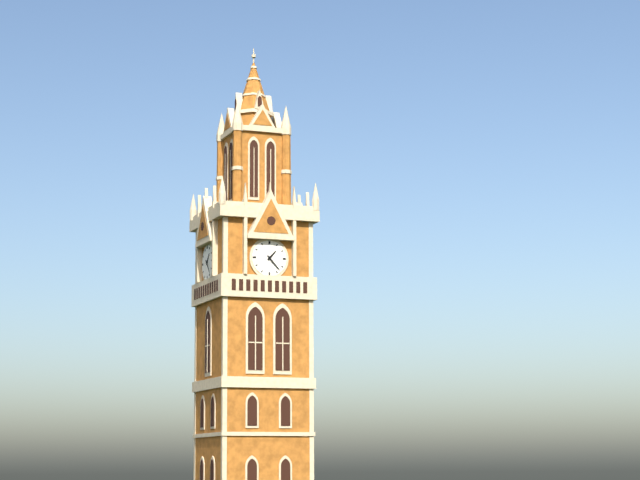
1:23
